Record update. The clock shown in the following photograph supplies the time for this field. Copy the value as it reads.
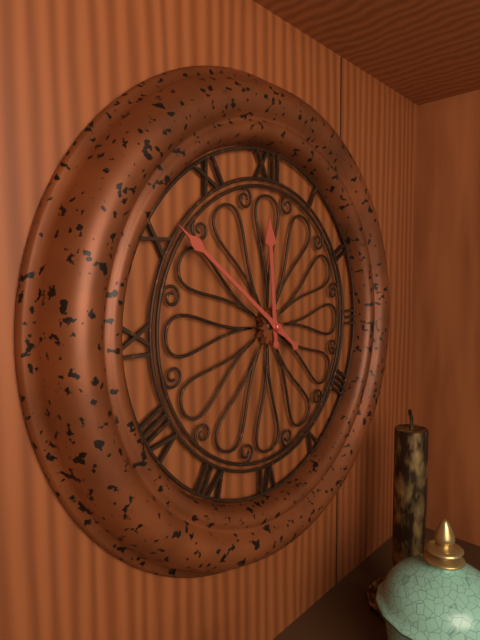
11:51
